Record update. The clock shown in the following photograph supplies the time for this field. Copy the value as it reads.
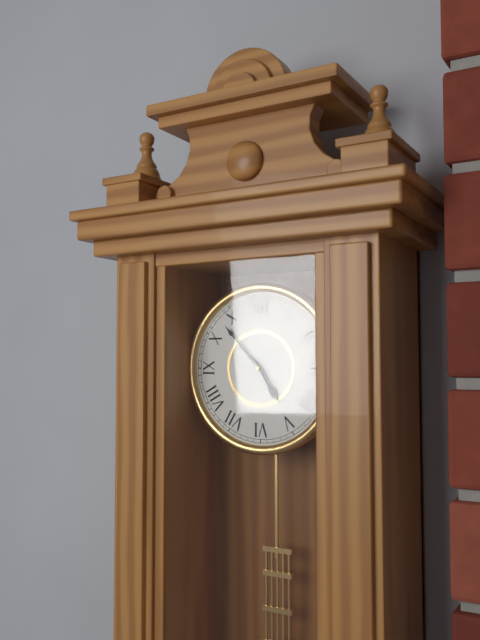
4:53
